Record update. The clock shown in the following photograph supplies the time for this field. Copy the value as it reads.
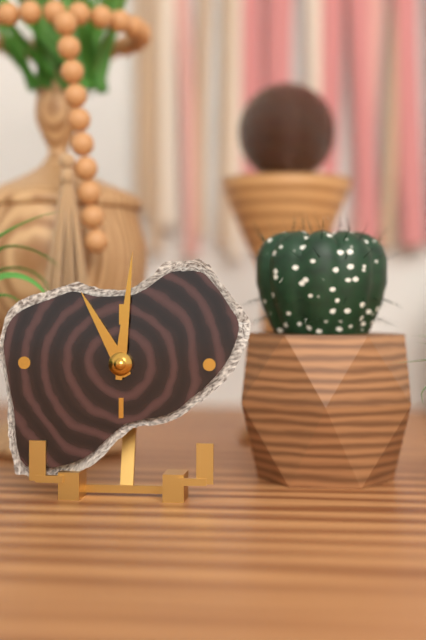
11:01
